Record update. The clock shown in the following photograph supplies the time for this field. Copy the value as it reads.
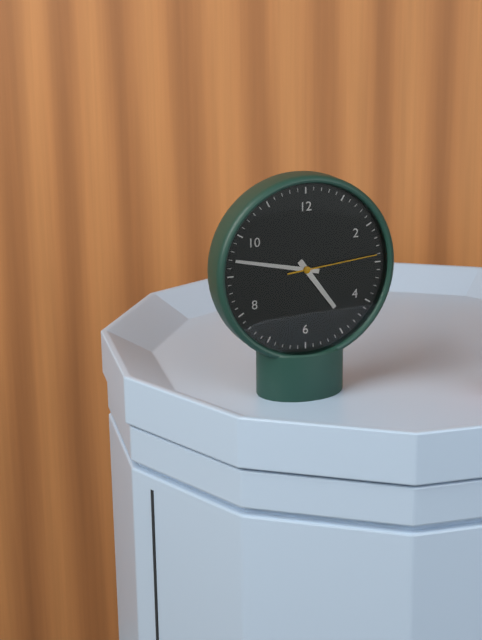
4:47:14
